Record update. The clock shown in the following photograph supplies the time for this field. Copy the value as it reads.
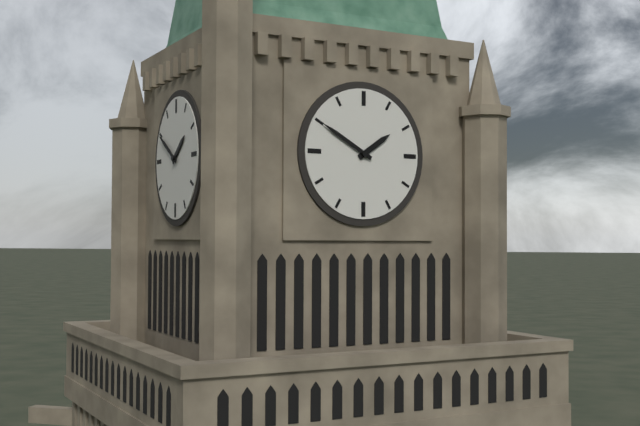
1:50
